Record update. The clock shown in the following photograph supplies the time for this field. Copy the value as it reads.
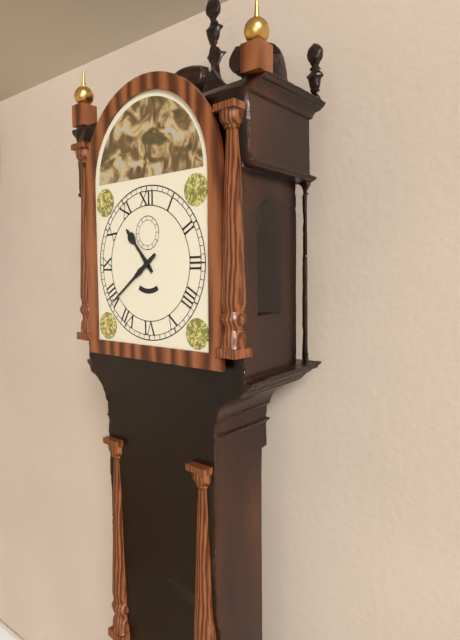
10:39
